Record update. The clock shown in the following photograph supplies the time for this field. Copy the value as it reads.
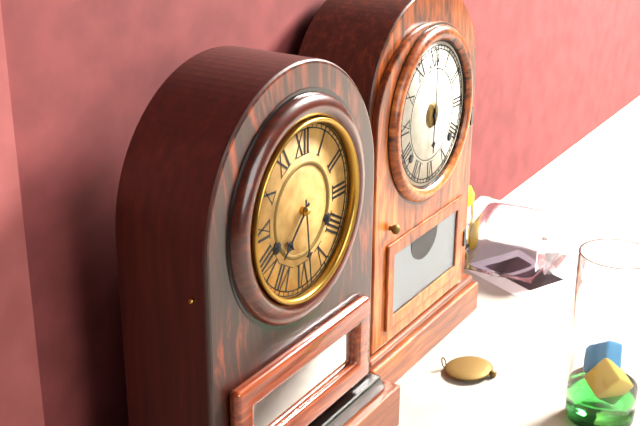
7:29
